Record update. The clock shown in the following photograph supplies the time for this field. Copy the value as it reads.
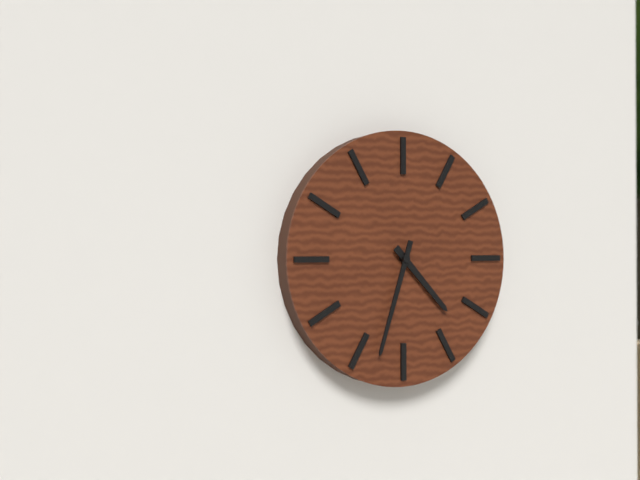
4:33
